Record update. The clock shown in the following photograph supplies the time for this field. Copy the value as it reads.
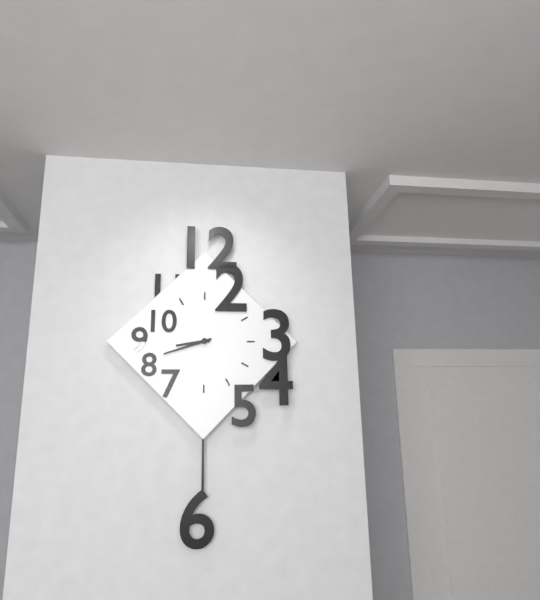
8:42
